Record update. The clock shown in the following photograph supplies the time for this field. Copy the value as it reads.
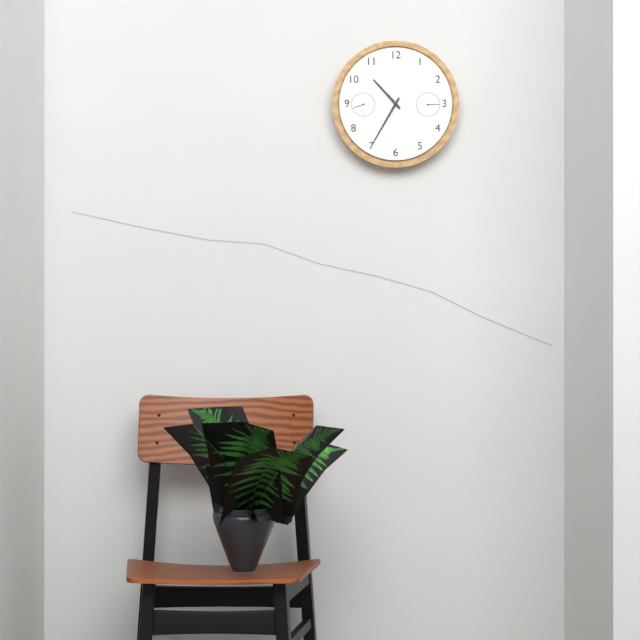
10:35
